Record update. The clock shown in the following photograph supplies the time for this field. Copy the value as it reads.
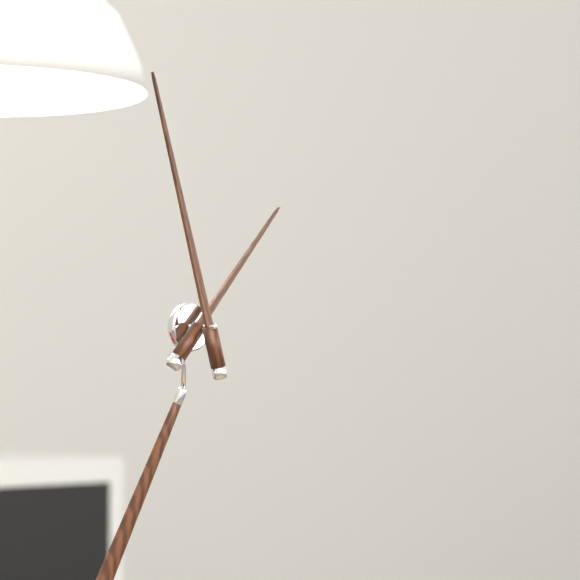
12:55
